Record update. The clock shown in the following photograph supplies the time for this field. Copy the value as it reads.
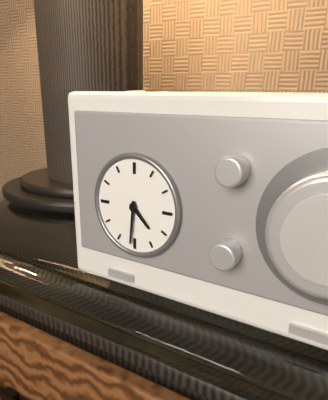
4:31
